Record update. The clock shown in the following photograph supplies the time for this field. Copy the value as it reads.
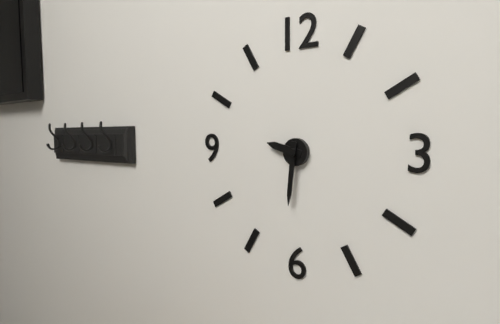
9:31
